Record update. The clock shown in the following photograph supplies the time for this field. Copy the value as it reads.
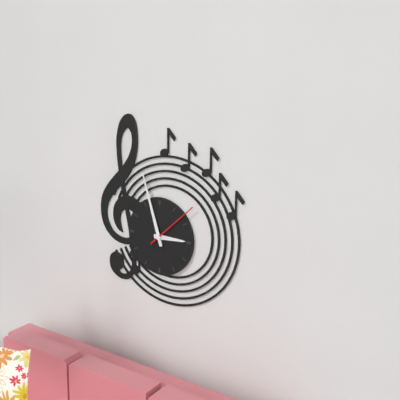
2:57:08
